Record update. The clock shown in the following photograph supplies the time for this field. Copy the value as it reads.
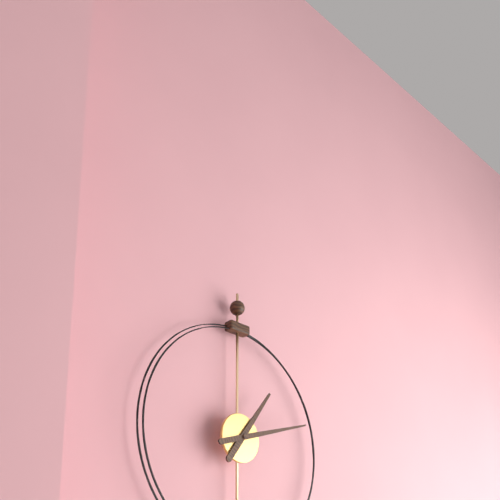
1:12
